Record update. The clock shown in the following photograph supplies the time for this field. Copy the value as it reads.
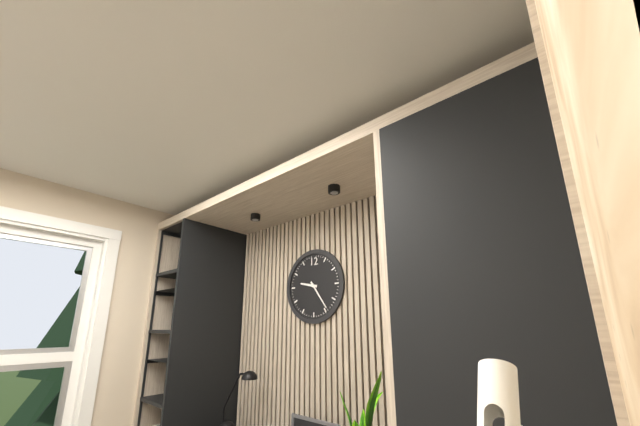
9:24
